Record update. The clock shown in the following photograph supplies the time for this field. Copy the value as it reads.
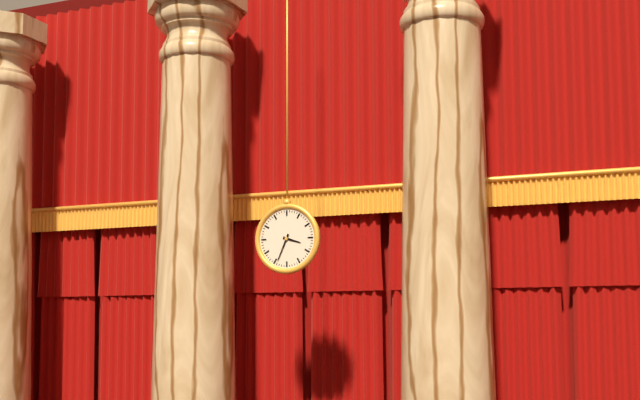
3:34
